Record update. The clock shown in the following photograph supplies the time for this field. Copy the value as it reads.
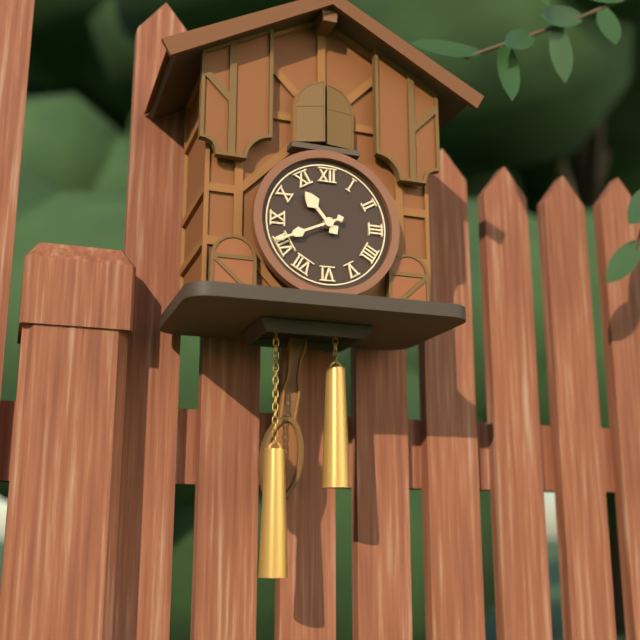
10:41
